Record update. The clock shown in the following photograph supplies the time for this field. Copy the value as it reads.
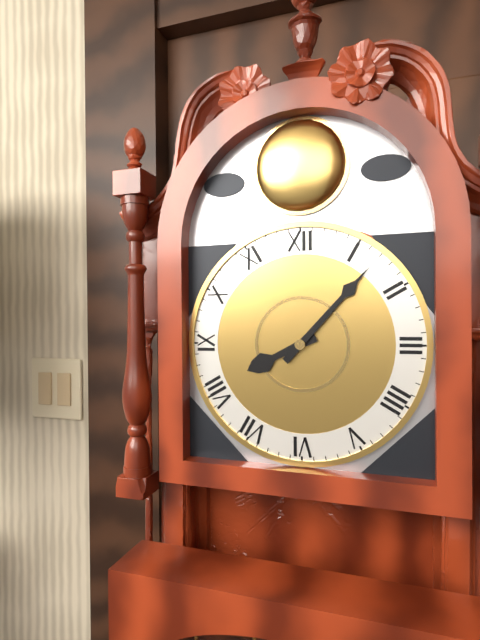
8:07
